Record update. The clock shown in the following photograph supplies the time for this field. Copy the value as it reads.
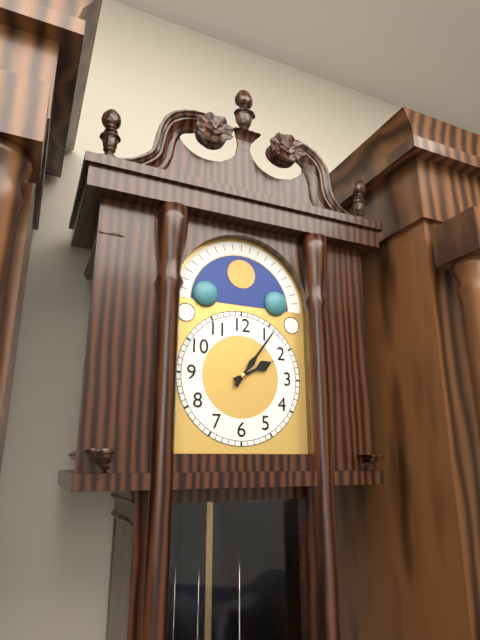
2:06
